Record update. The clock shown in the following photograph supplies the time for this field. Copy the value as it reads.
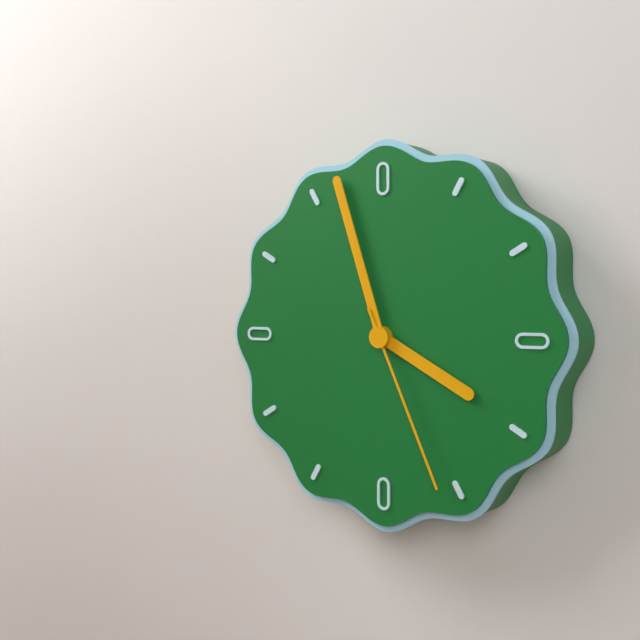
3:57:26
